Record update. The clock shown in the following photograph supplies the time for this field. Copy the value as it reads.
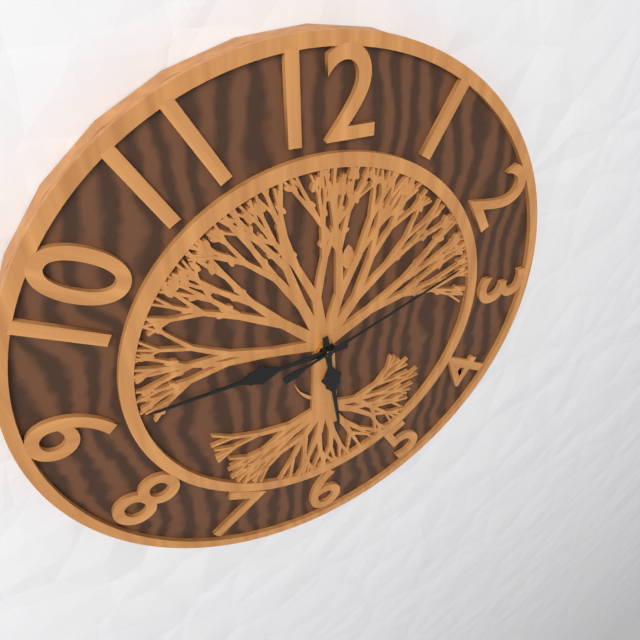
5:45:12
